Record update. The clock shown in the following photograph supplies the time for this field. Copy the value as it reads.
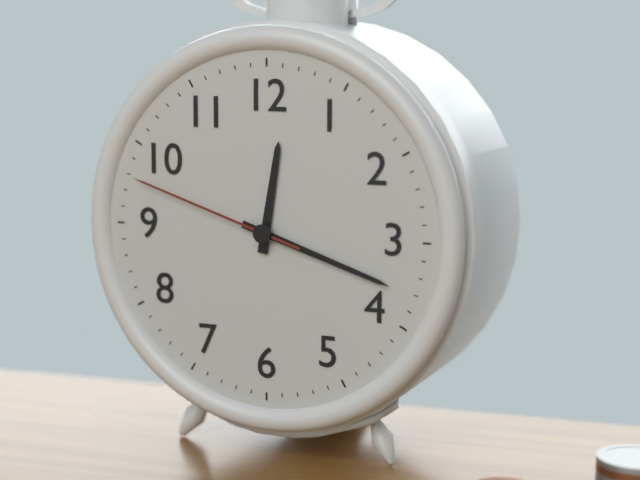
12:18:48
